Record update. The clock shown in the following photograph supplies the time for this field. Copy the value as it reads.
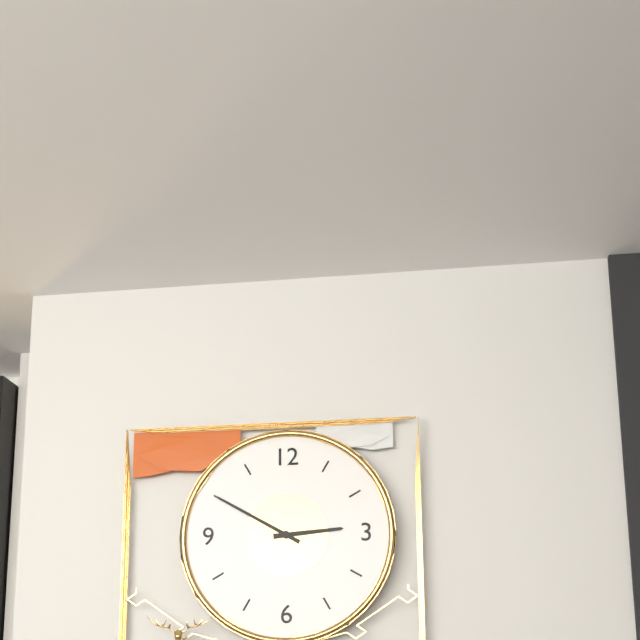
2:50
